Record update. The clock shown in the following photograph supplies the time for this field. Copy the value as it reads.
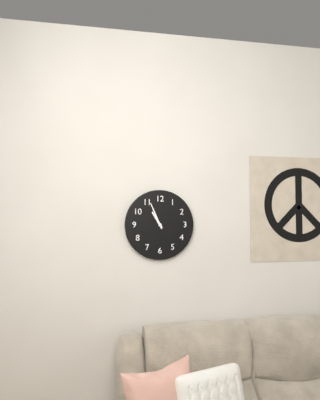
10:56
